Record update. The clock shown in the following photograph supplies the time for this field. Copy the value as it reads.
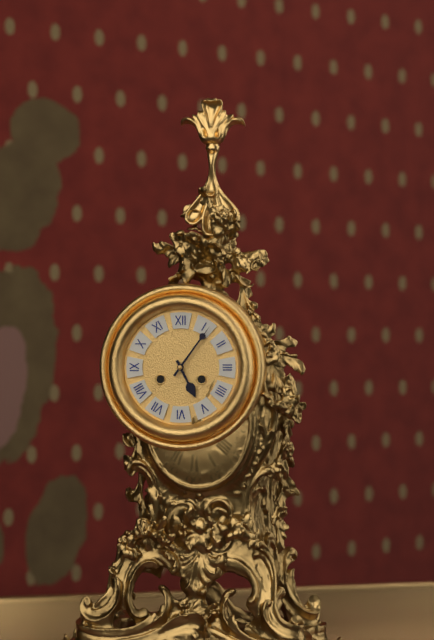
5:06
